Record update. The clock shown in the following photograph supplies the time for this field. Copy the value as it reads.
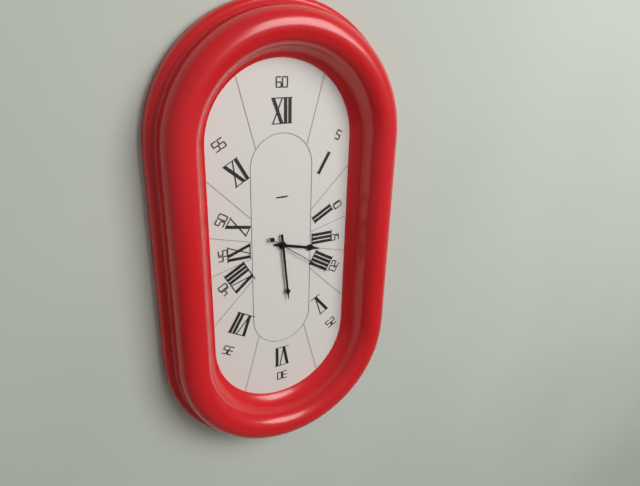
3:29:21
